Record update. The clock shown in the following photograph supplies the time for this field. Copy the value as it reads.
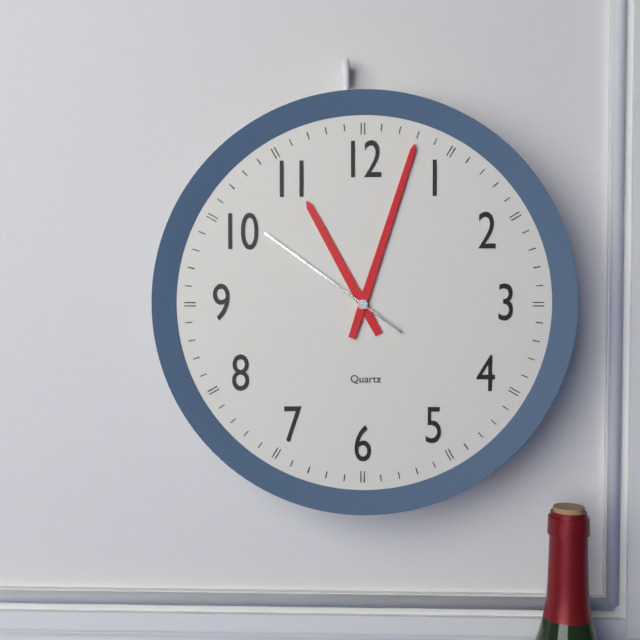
11:03:51
